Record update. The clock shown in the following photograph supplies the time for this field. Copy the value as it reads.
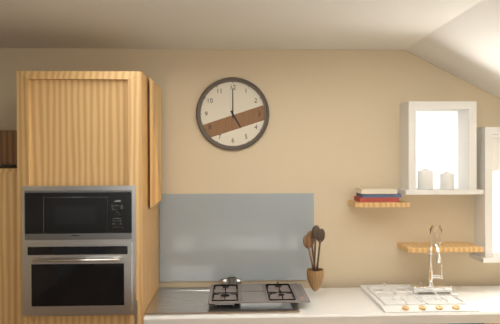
5:00
